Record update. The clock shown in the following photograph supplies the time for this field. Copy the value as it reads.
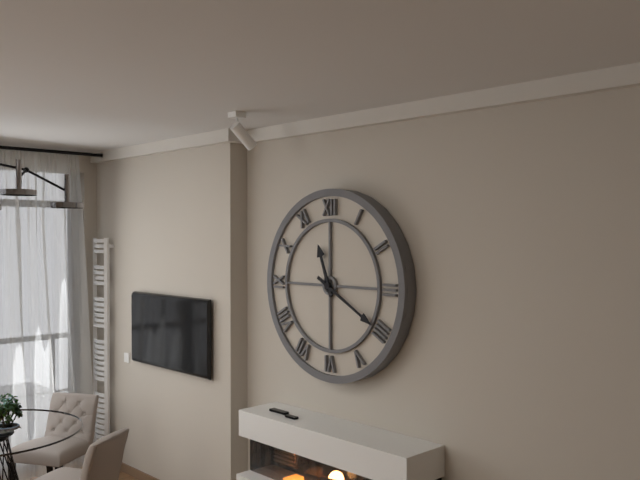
11:20
